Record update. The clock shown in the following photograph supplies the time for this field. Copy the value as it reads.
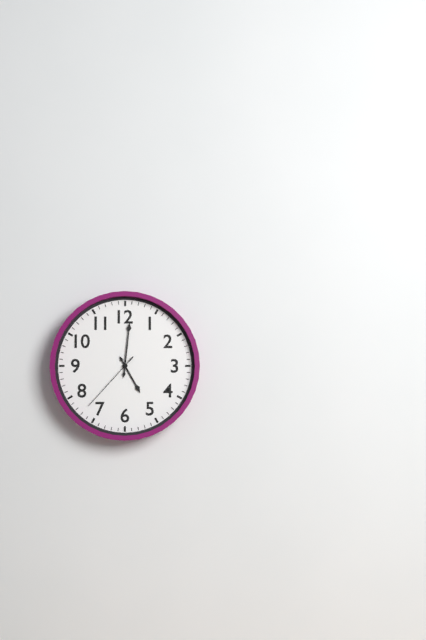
5:01:37
